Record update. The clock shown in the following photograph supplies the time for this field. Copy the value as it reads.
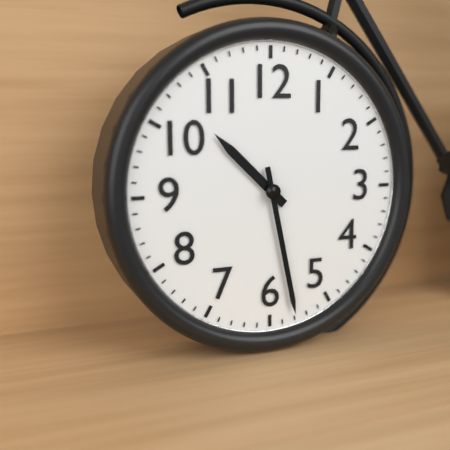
10:28
